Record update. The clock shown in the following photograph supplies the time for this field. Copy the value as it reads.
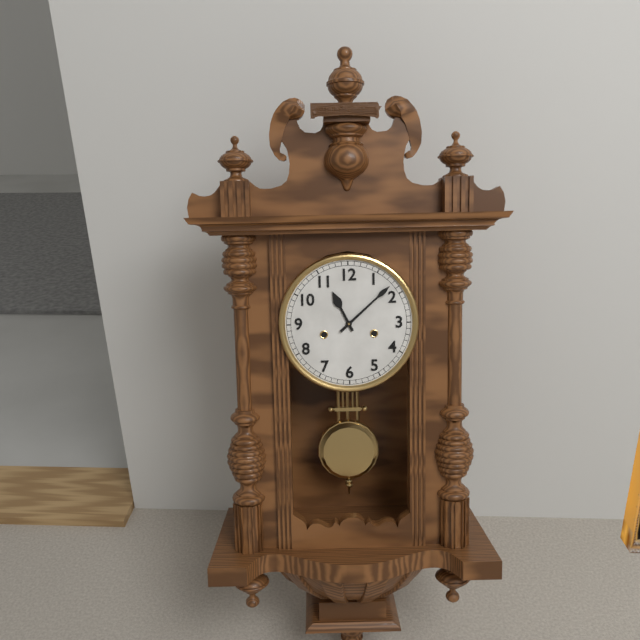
11:08
